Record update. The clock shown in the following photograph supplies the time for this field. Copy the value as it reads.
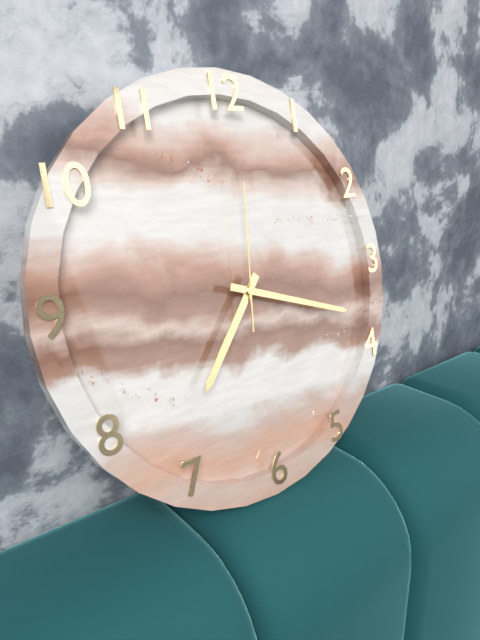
7:18:01
